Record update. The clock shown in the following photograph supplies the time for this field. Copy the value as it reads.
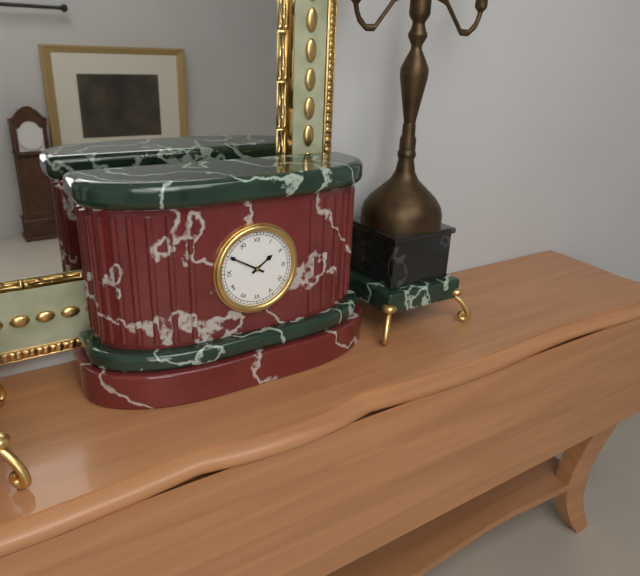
1:50
